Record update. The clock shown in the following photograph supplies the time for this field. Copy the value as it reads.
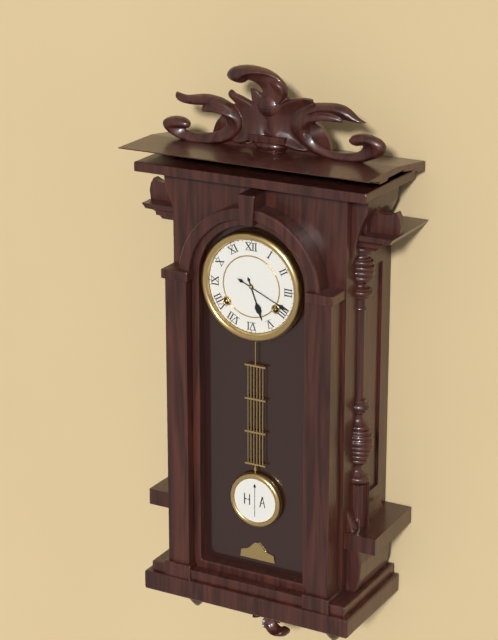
5:19
